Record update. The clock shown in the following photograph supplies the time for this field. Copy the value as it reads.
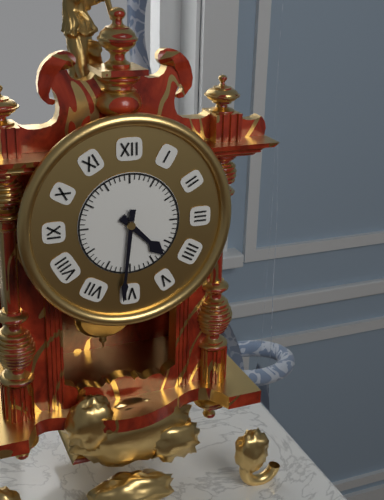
4:31
